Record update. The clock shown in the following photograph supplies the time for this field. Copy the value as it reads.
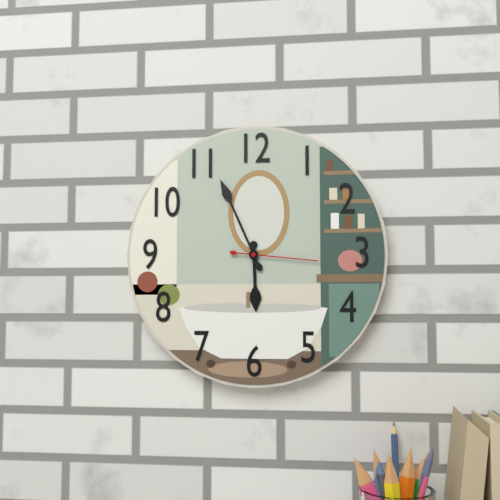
5:56:16
